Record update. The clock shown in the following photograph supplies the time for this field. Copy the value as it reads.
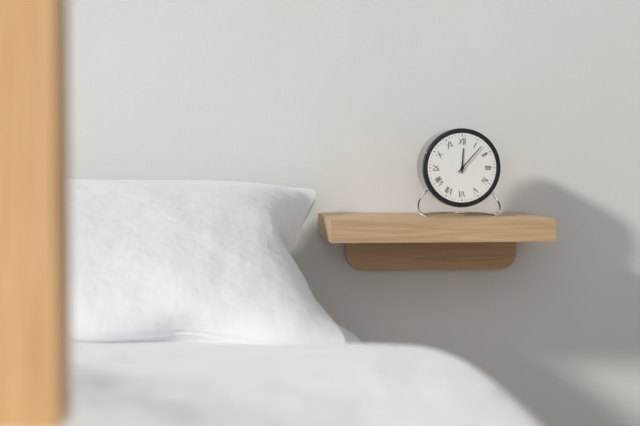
12:07
